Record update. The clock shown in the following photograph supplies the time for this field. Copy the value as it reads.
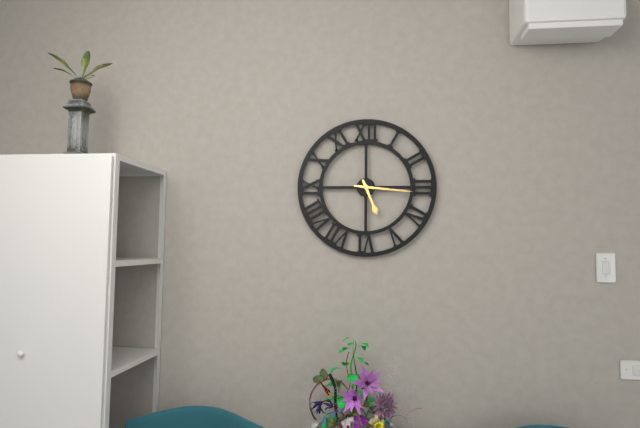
5:16
